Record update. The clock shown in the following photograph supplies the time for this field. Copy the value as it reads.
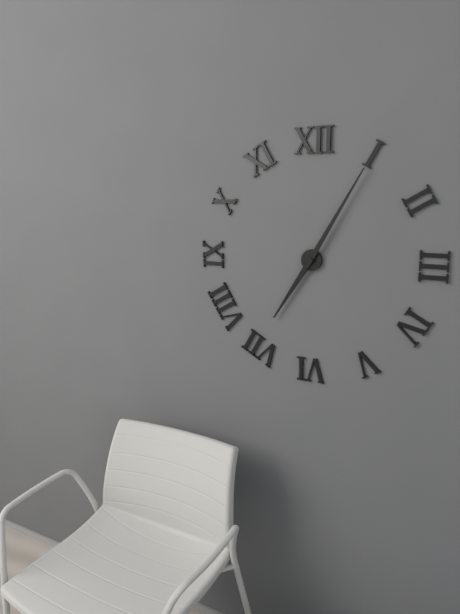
7:05
